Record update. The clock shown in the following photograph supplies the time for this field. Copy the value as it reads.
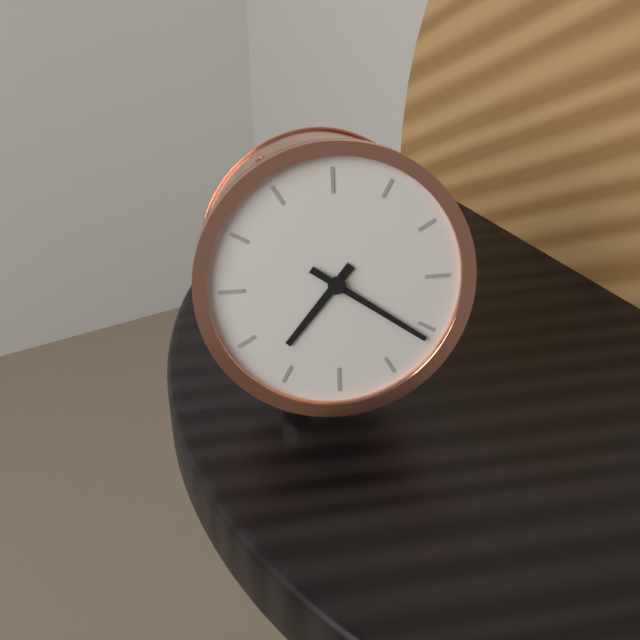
7:21
